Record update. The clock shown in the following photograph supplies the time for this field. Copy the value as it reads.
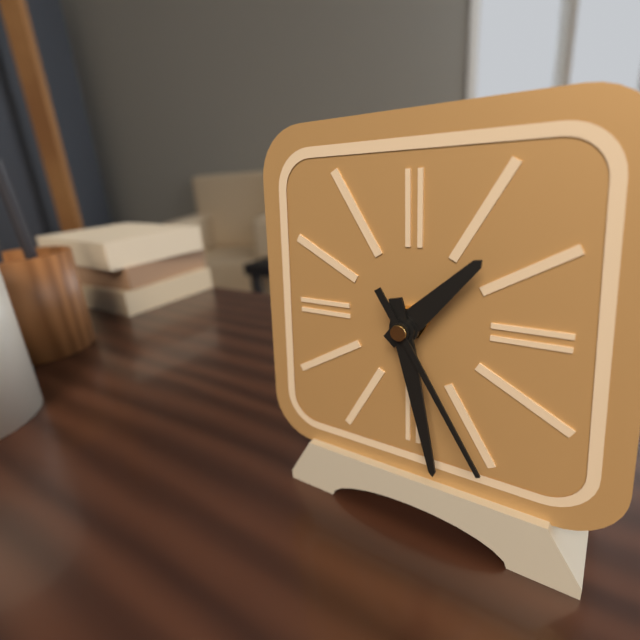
1:28:25
